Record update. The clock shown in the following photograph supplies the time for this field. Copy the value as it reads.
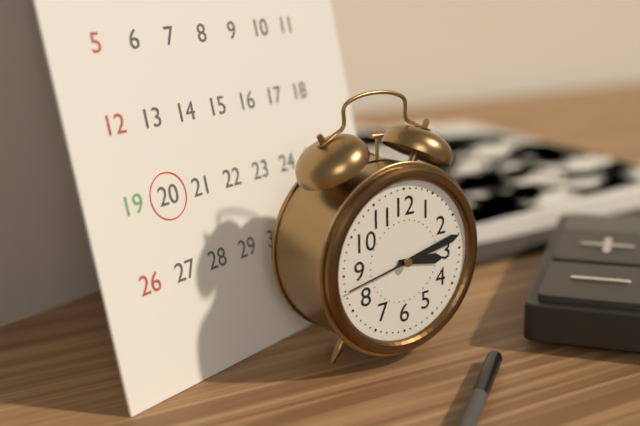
3:13:43
